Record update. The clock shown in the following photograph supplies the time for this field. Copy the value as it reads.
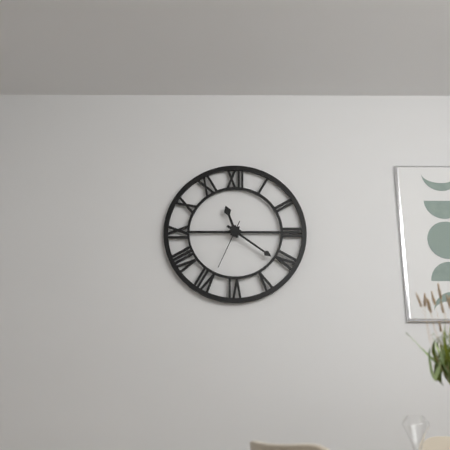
11:21
